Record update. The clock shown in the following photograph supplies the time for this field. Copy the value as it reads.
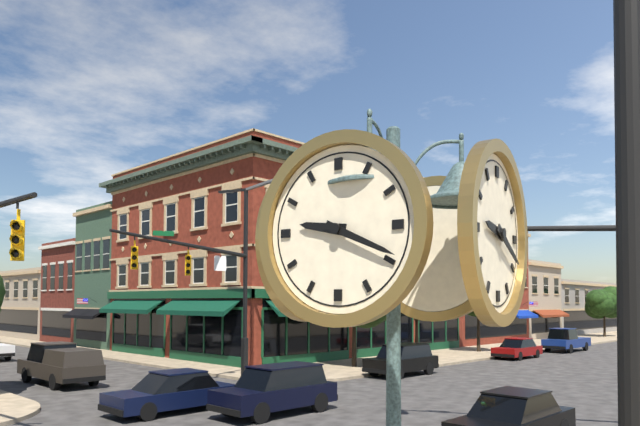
9:19
